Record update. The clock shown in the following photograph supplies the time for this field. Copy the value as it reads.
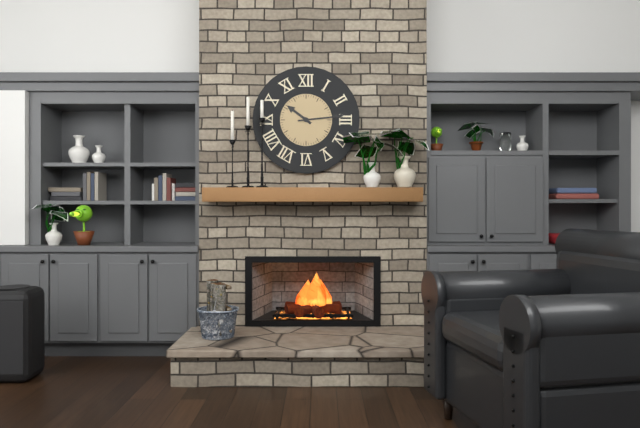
10:14
